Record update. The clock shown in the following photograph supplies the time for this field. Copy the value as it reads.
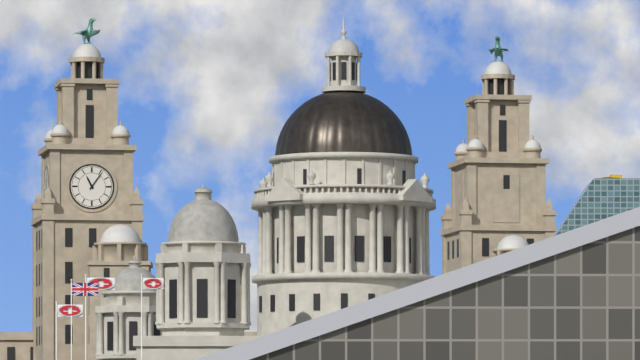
11:06
